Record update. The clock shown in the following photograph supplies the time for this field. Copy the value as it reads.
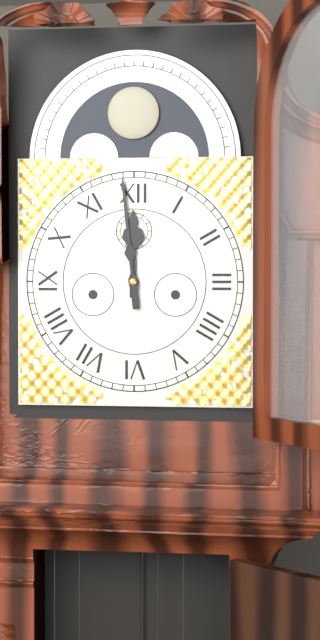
11:59
